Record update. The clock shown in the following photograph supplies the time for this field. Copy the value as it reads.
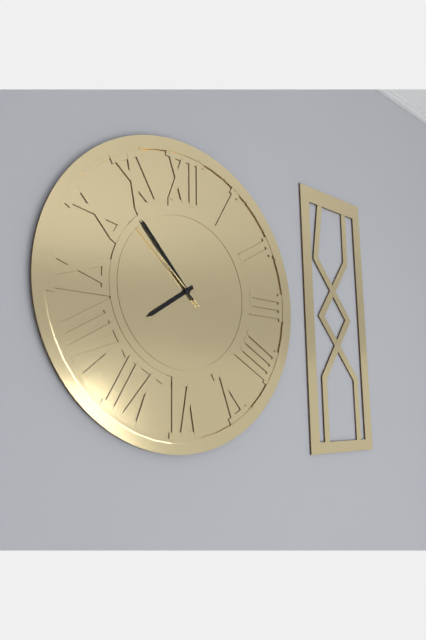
7:53:52
